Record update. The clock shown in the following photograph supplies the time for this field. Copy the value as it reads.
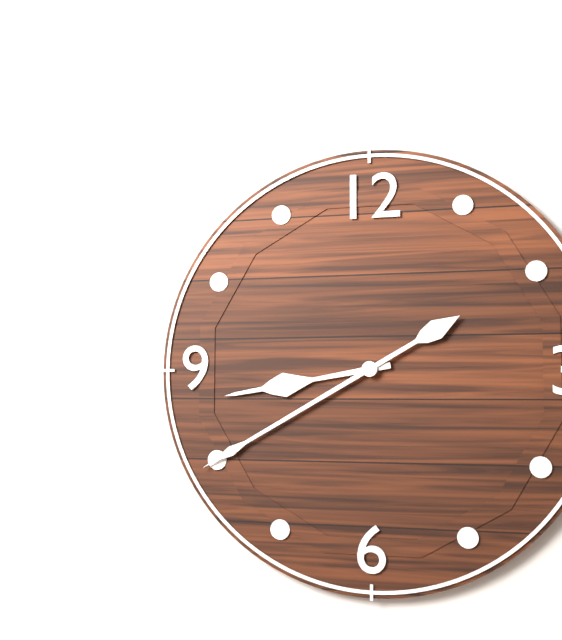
8:40
